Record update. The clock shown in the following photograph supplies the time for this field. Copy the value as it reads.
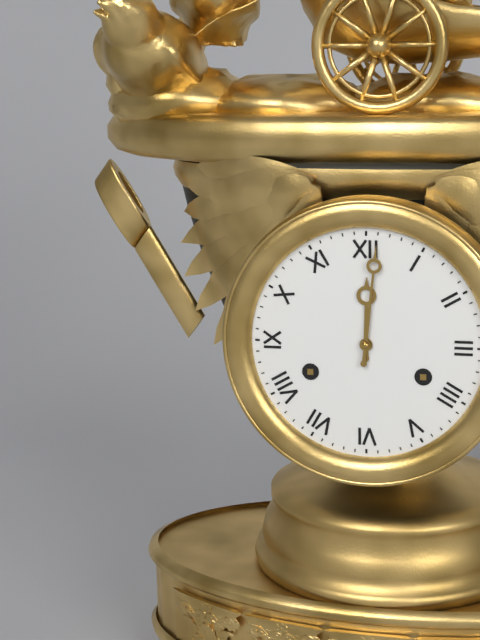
12:01
